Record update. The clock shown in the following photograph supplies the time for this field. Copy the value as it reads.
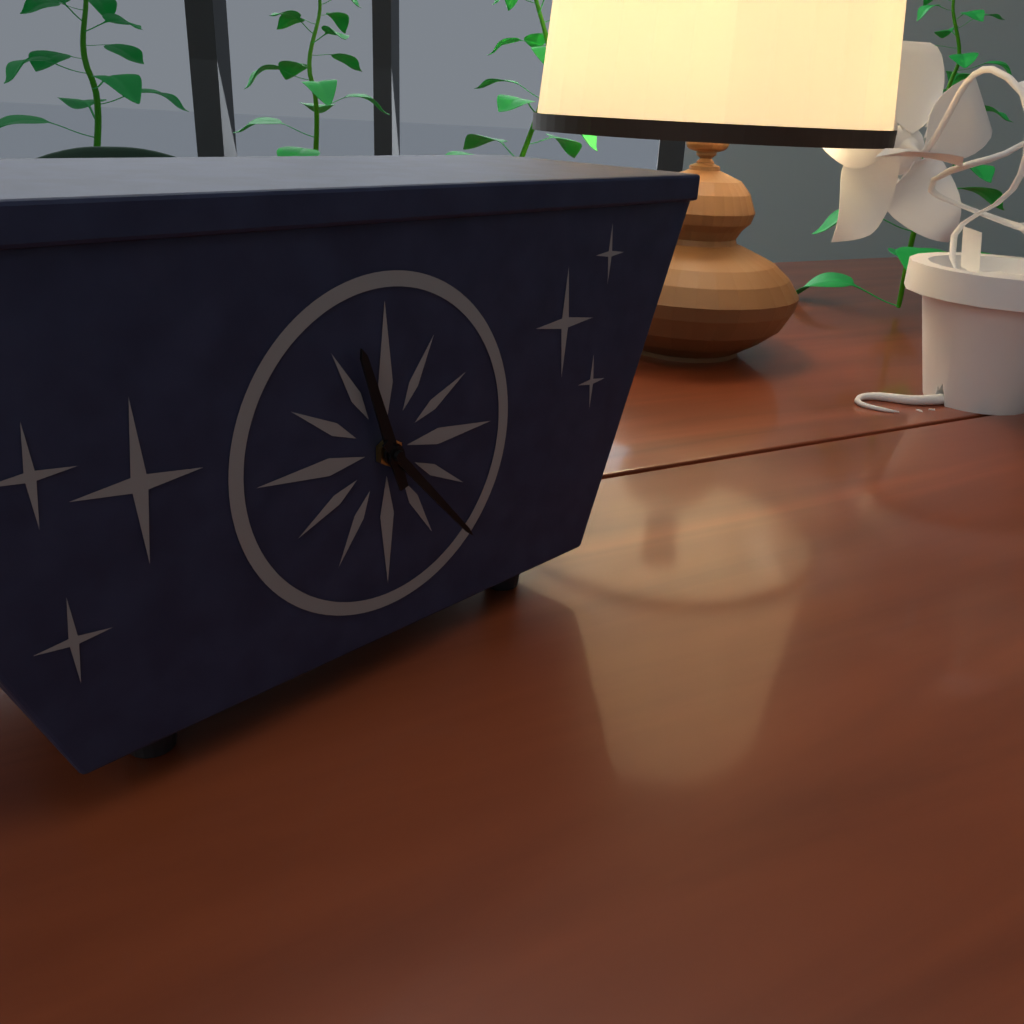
11:23
